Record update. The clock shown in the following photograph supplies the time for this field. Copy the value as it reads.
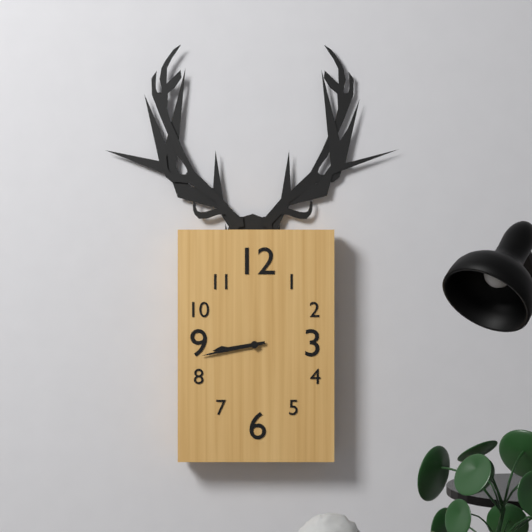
8:43
